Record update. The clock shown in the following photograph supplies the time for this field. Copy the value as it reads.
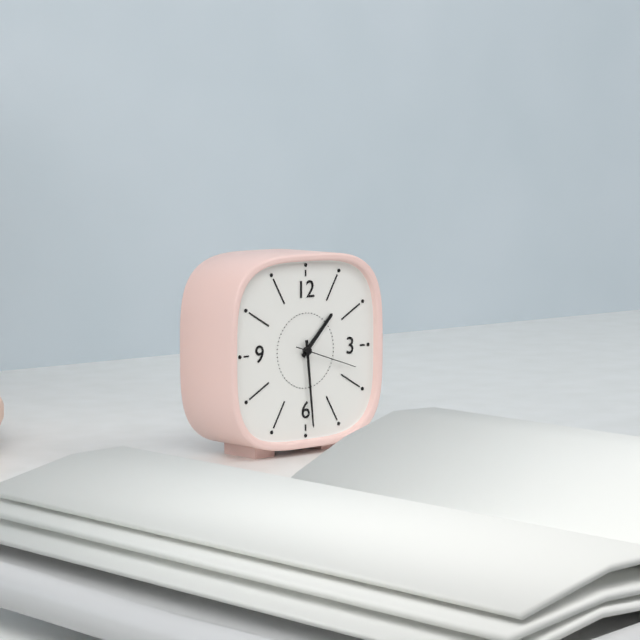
1:29:18
